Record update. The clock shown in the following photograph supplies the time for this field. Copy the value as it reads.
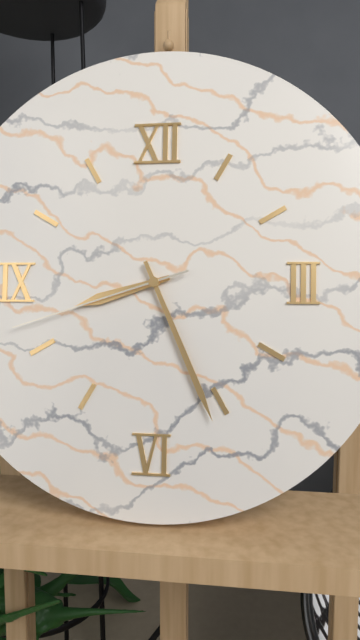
8:26:42
